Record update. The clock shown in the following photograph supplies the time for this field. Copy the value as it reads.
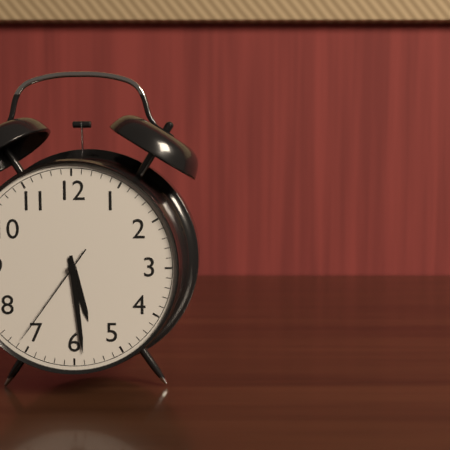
5:29:36
